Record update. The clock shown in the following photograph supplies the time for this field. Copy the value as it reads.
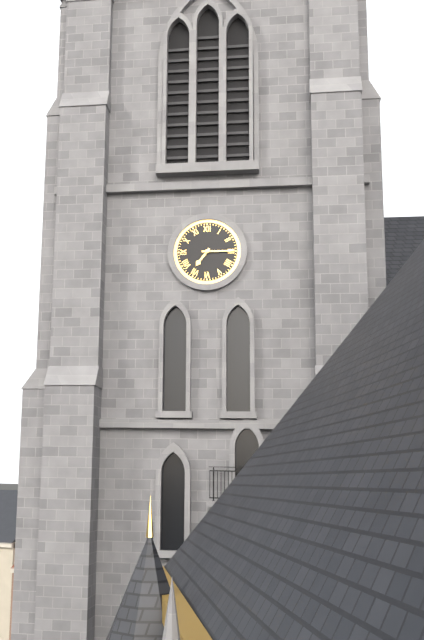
7:15
